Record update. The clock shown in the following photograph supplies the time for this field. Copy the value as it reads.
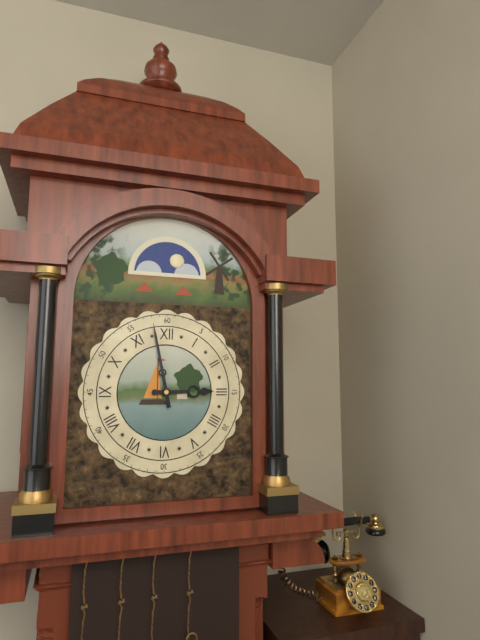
2:58
